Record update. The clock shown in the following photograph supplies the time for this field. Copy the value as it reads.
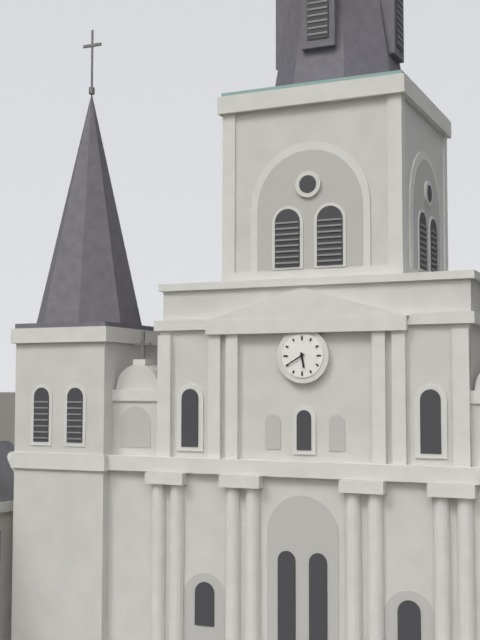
5:40
